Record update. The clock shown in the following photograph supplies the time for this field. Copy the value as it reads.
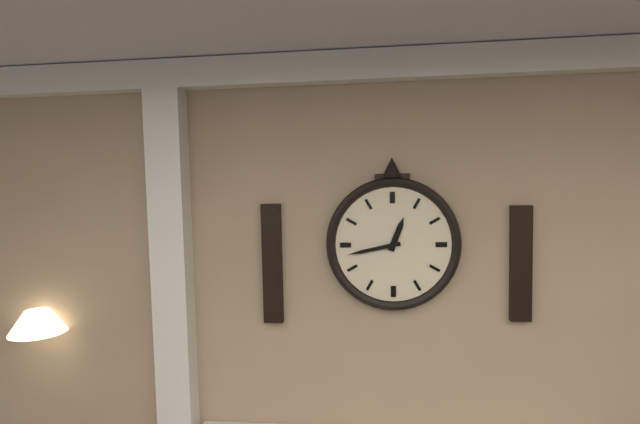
12:43
